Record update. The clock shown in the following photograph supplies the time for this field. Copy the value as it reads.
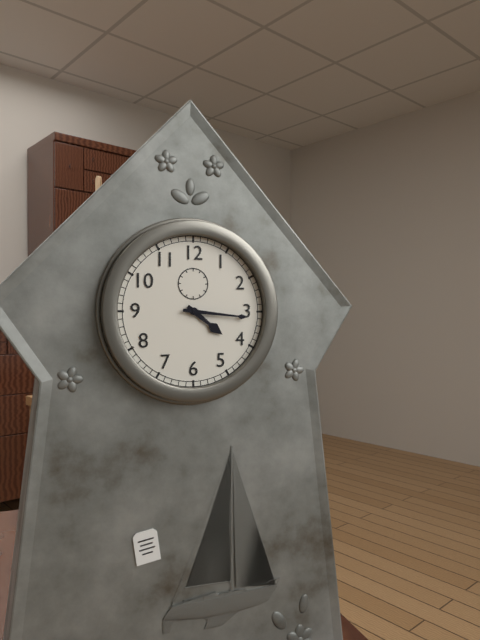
4:16
